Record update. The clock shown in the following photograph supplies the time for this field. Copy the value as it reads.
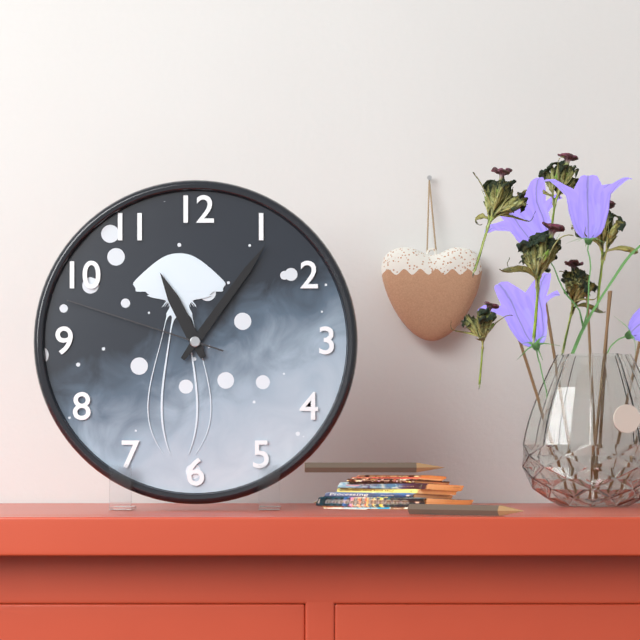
11:06:48
